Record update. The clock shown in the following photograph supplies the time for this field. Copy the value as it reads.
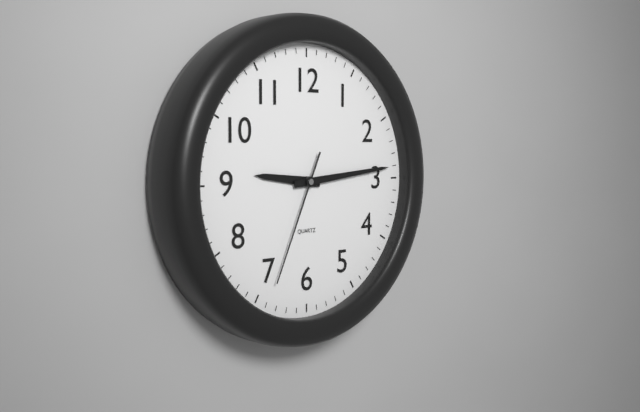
9:14:34
